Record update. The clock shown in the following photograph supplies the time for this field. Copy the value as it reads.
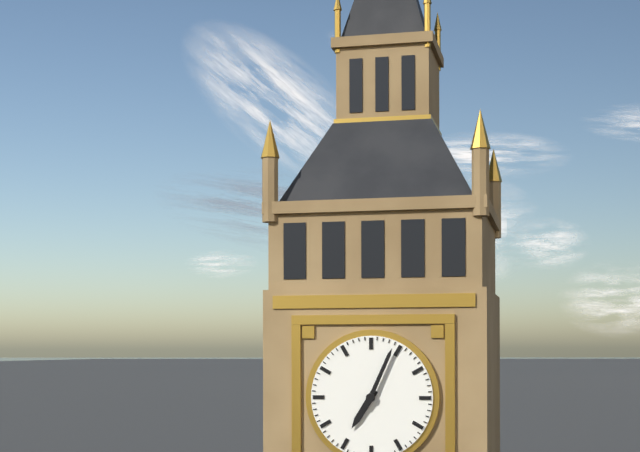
7:04
